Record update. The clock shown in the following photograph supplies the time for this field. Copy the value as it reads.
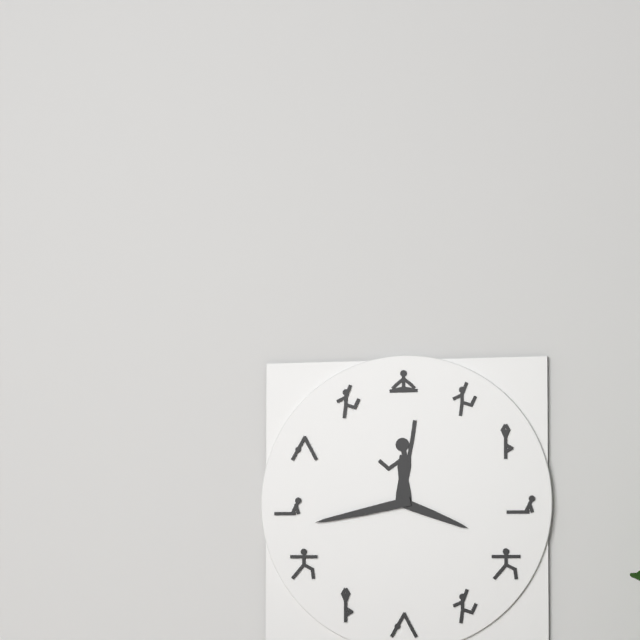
3:43
